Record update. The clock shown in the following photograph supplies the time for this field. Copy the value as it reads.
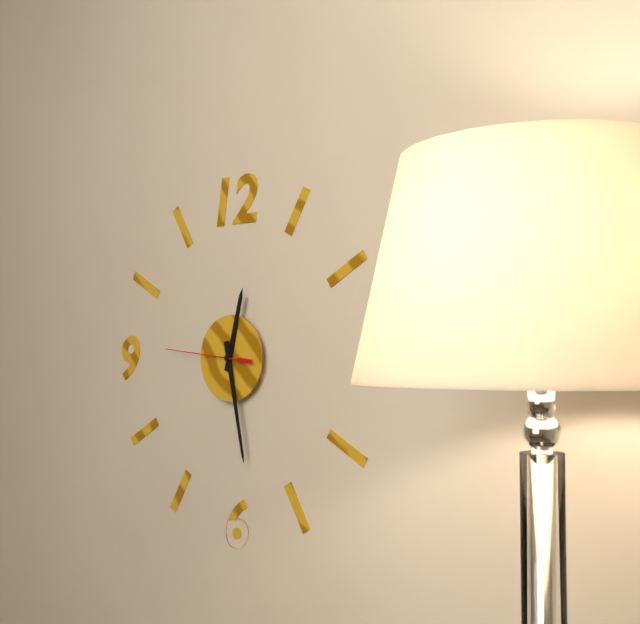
12:28:46
